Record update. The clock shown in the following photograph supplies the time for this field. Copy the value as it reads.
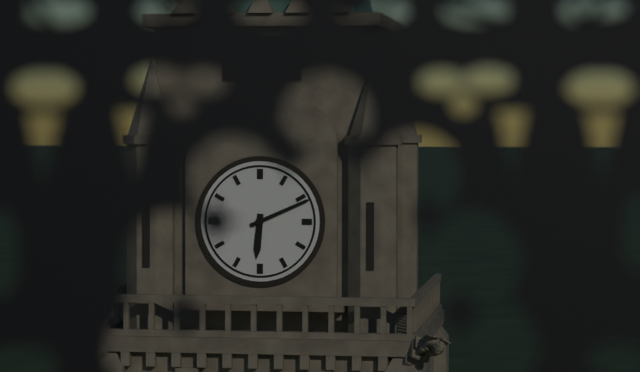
6:11
